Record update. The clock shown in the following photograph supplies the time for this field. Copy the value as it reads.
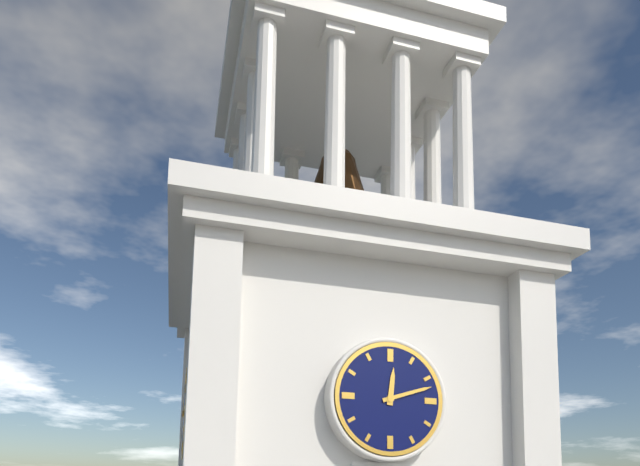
12:12
